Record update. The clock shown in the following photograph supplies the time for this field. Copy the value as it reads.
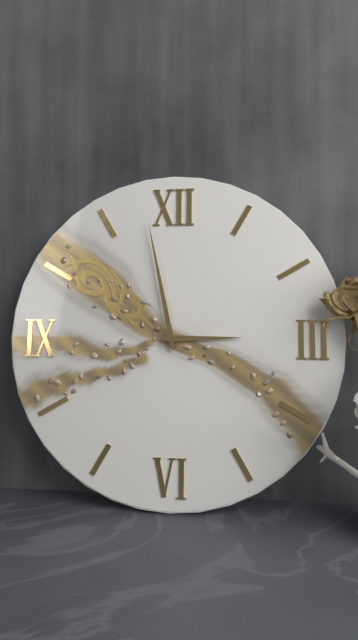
2:58
